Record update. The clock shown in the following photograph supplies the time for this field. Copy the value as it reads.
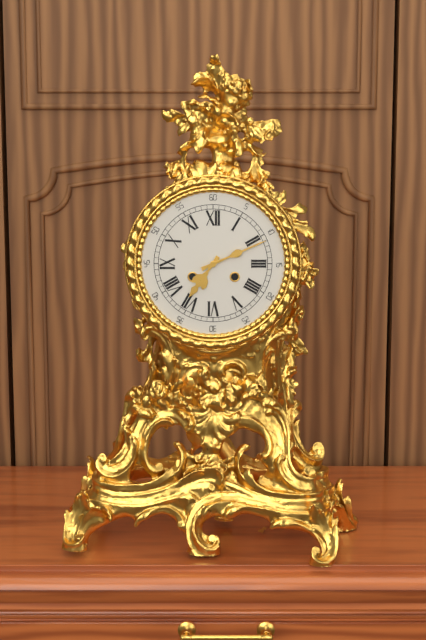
7:11
